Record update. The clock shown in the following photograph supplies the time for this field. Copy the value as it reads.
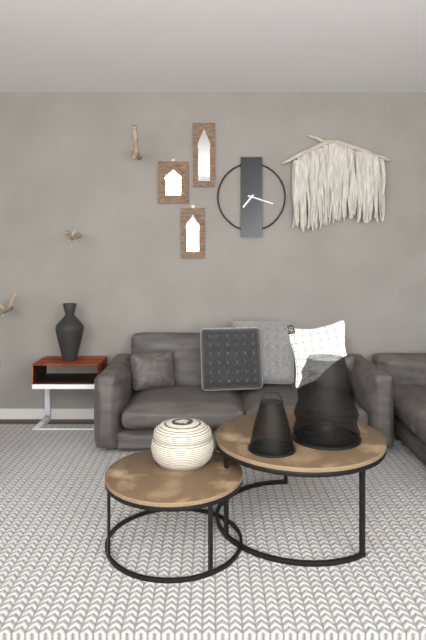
7:18
